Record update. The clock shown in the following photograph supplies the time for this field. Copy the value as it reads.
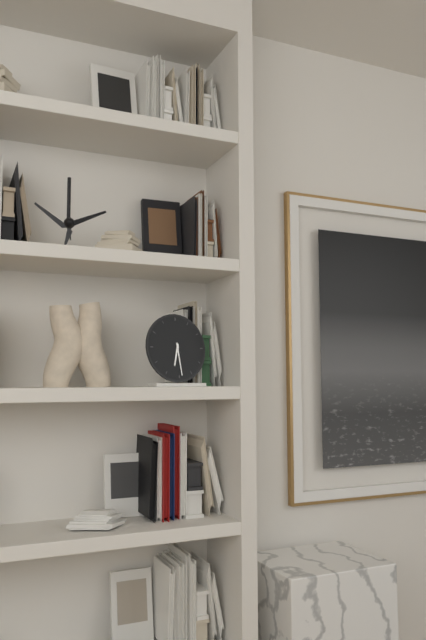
6:29
